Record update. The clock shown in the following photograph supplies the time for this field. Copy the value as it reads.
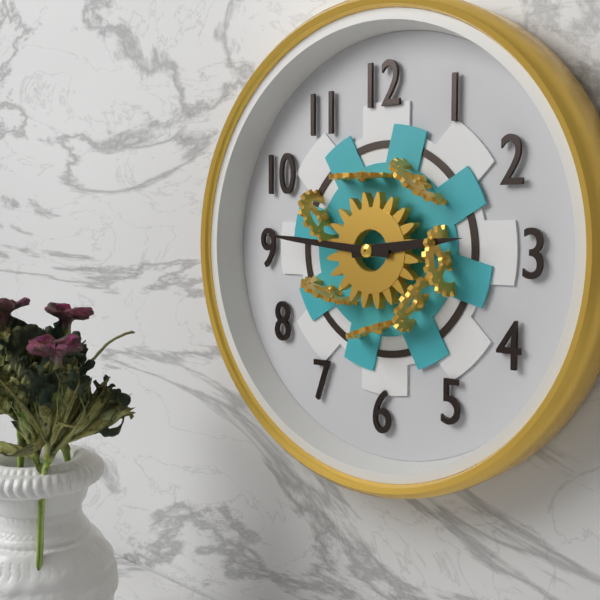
2:46
